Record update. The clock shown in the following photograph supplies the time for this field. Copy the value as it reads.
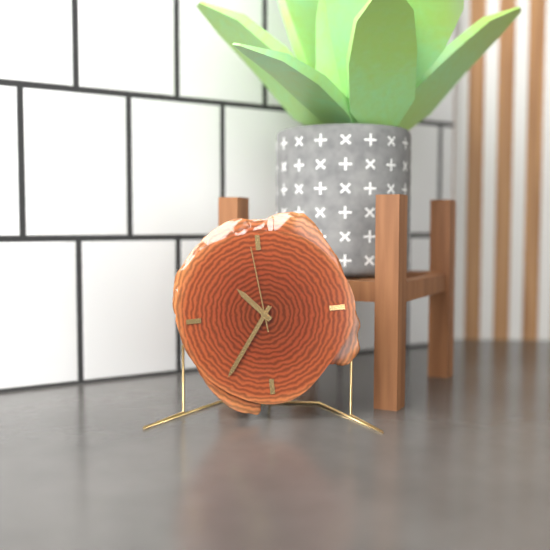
10:36:59
